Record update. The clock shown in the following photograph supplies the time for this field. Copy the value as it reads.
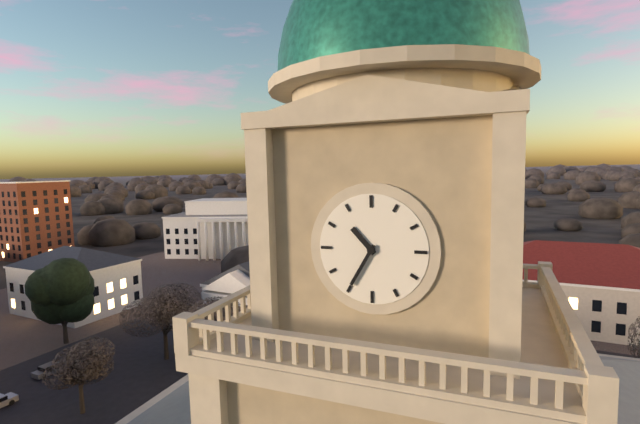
10:35
